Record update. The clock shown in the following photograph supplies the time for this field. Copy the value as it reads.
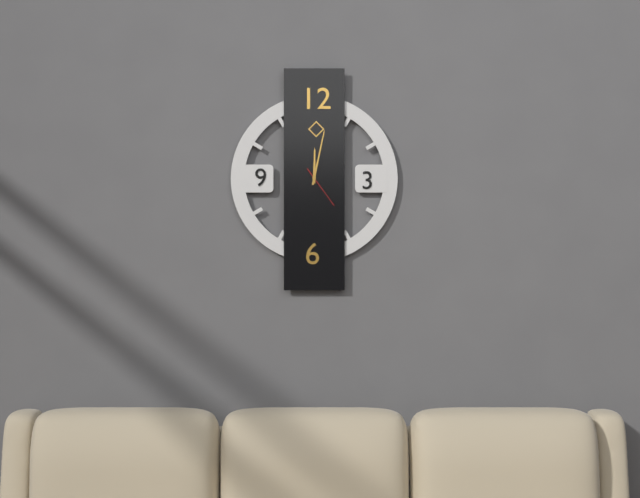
12:02
